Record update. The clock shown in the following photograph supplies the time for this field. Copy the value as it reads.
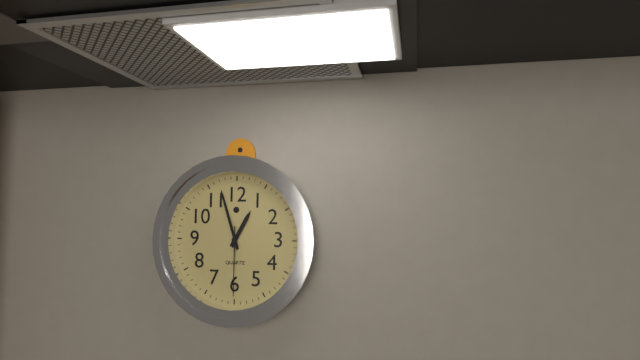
12:57:30
